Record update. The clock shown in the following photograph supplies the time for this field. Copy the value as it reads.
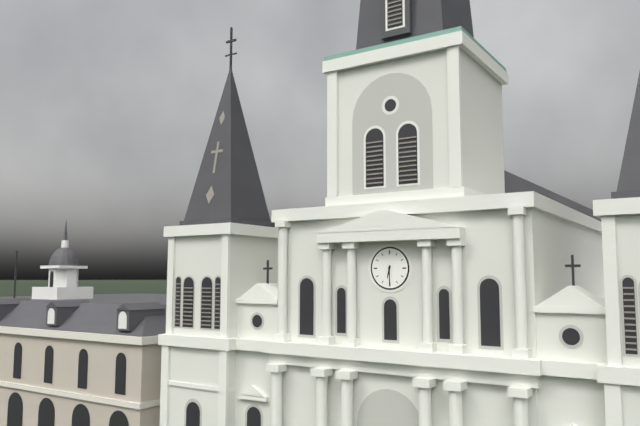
6:30
